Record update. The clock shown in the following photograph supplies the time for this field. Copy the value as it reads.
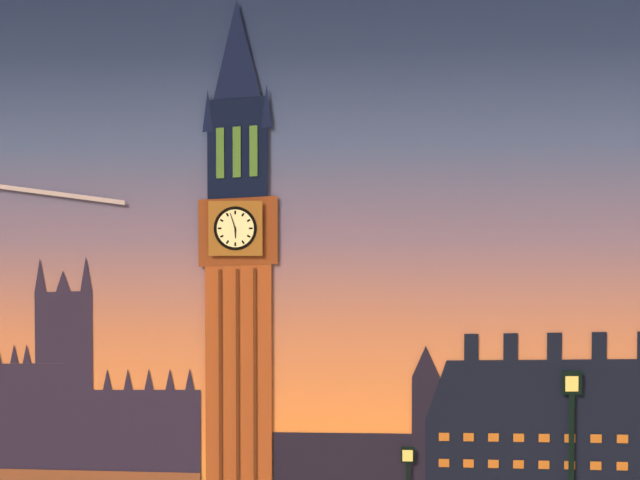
5:57
